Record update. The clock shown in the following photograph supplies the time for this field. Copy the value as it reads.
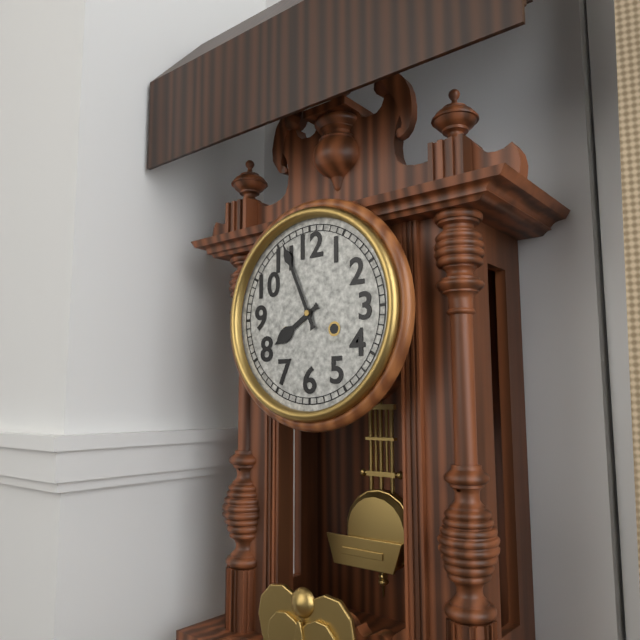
7:56
